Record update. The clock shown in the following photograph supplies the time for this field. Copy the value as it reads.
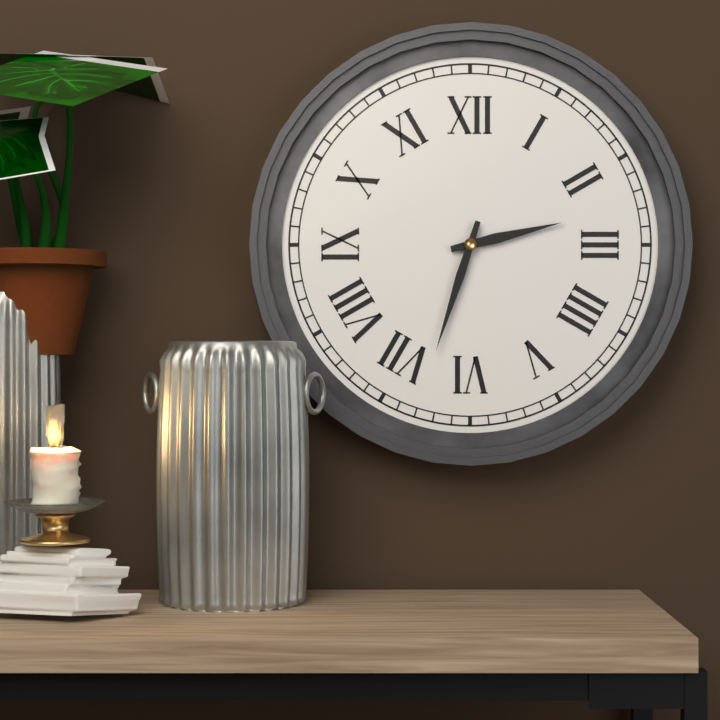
2:33
